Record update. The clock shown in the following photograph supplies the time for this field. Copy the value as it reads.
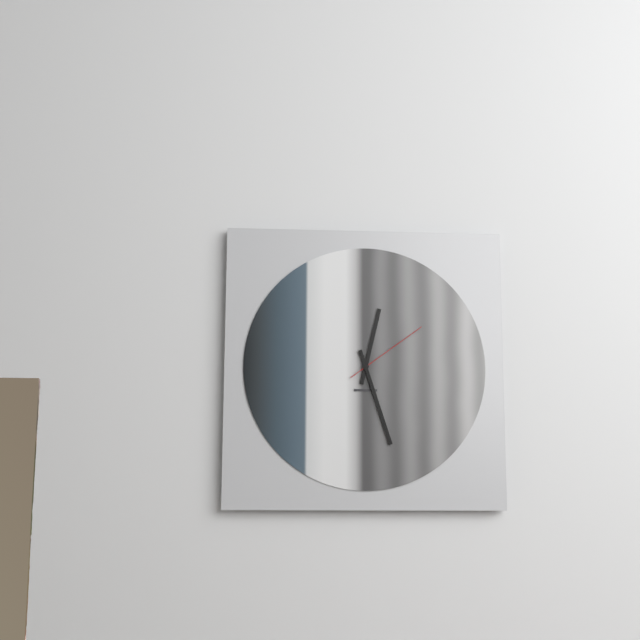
12:27:09
